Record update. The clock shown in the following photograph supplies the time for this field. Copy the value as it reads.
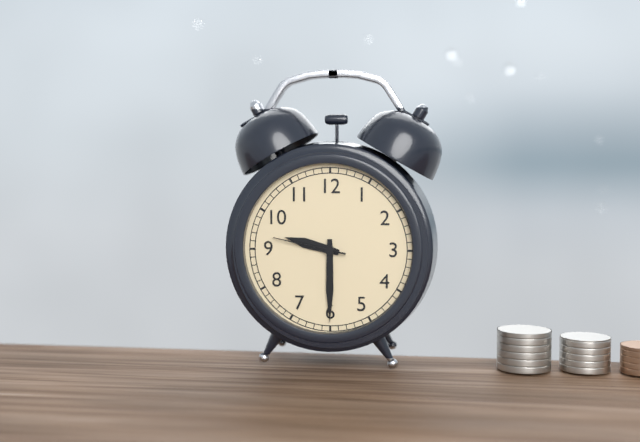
9:30:47
